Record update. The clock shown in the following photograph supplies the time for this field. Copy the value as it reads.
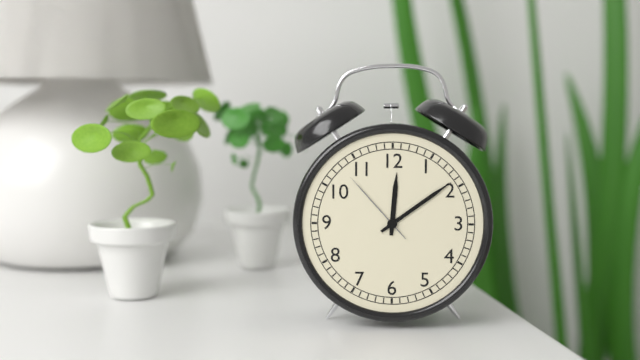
12:09:53
